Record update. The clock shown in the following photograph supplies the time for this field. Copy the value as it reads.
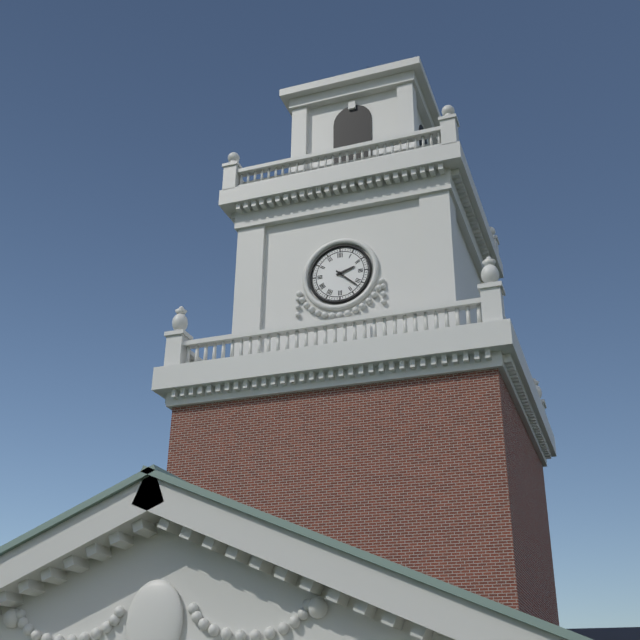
2:22
